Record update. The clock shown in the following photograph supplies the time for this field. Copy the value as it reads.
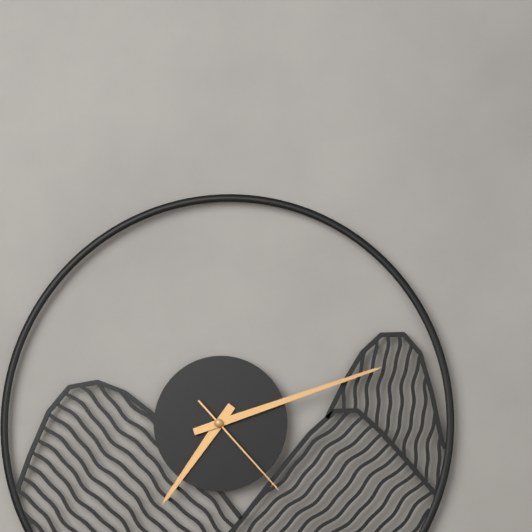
7:12:23
